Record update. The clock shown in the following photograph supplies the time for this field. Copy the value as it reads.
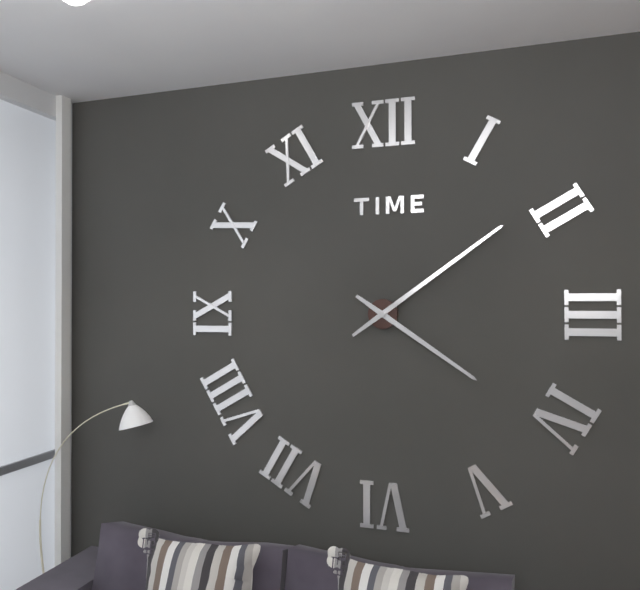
4:09
